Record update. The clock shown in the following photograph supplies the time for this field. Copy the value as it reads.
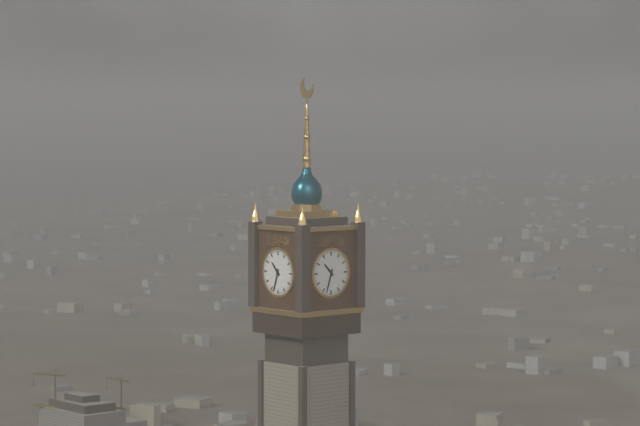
10:33
